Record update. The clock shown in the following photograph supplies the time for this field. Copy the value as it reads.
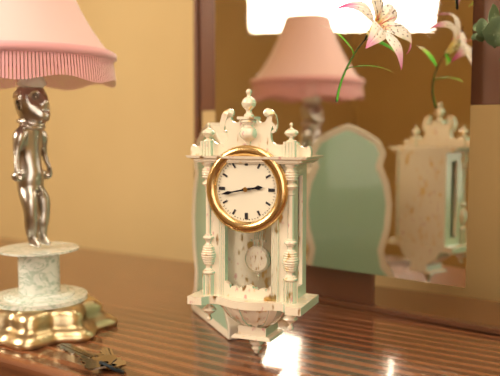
2:43
